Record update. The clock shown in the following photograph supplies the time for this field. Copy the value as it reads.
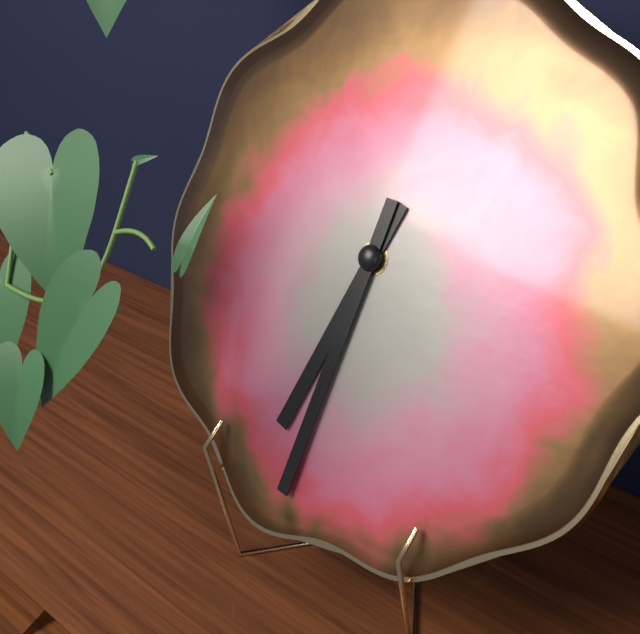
6:31
